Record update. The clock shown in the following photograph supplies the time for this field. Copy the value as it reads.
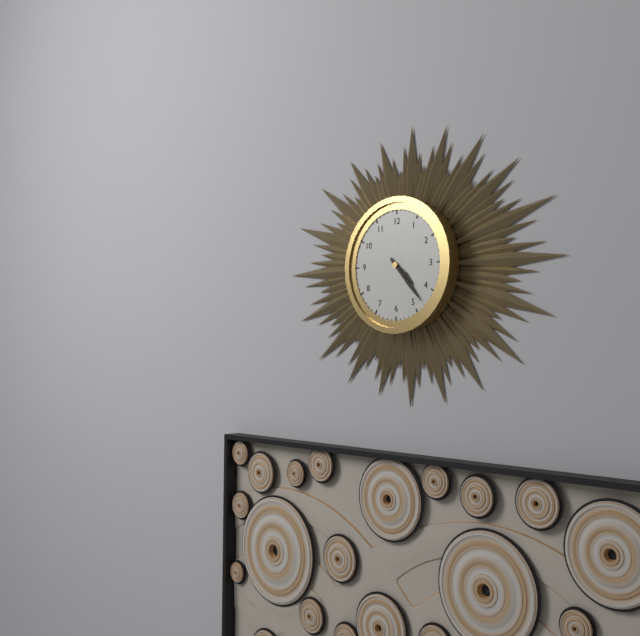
4:23
